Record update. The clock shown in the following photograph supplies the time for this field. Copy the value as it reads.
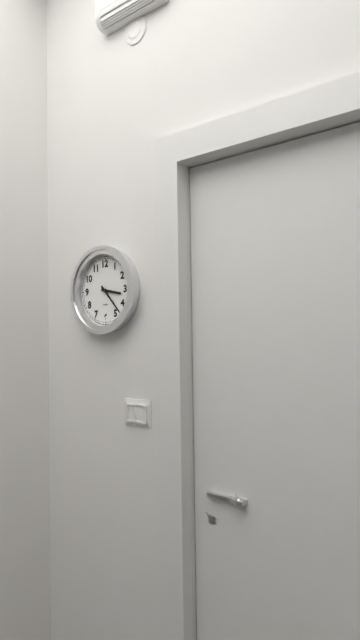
3:23
